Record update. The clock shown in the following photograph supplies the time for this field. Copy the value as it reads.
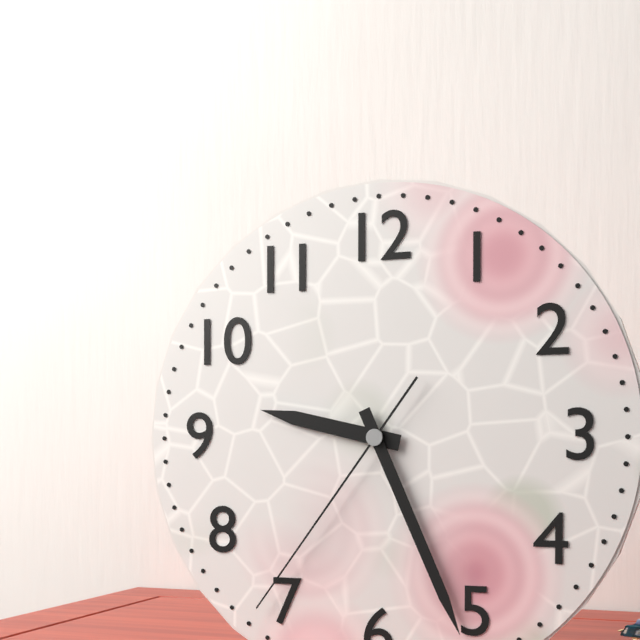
9:26:36
